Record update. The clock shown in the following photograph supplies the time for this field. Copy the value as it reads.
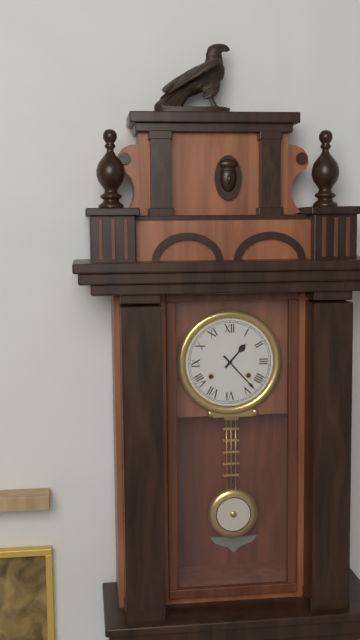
1:23
